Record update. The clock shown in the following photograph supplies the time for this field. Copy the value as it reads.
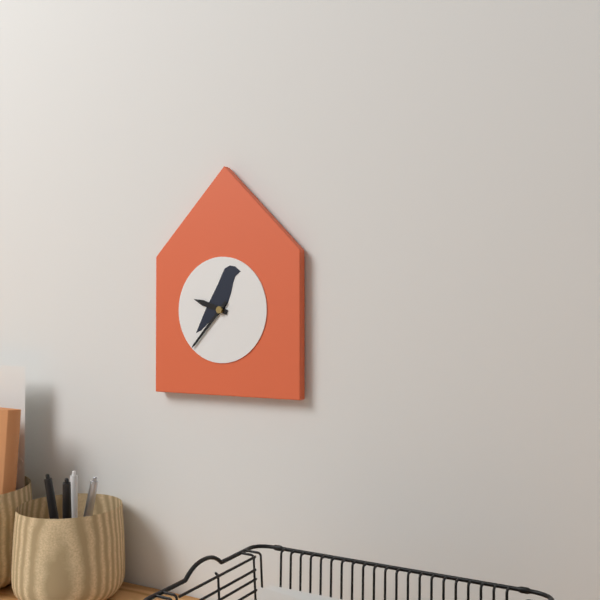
9:37
